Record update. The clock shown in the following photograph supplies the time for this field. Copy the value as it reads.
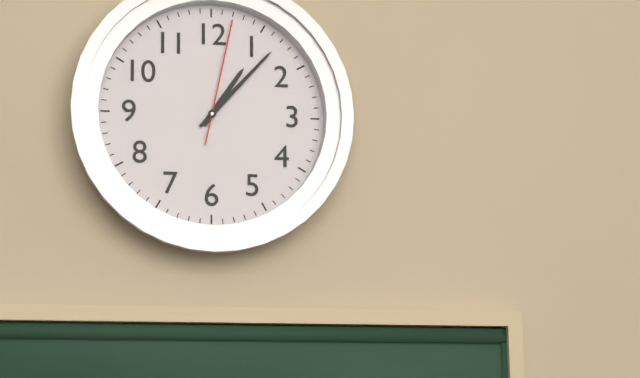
1:07:02
